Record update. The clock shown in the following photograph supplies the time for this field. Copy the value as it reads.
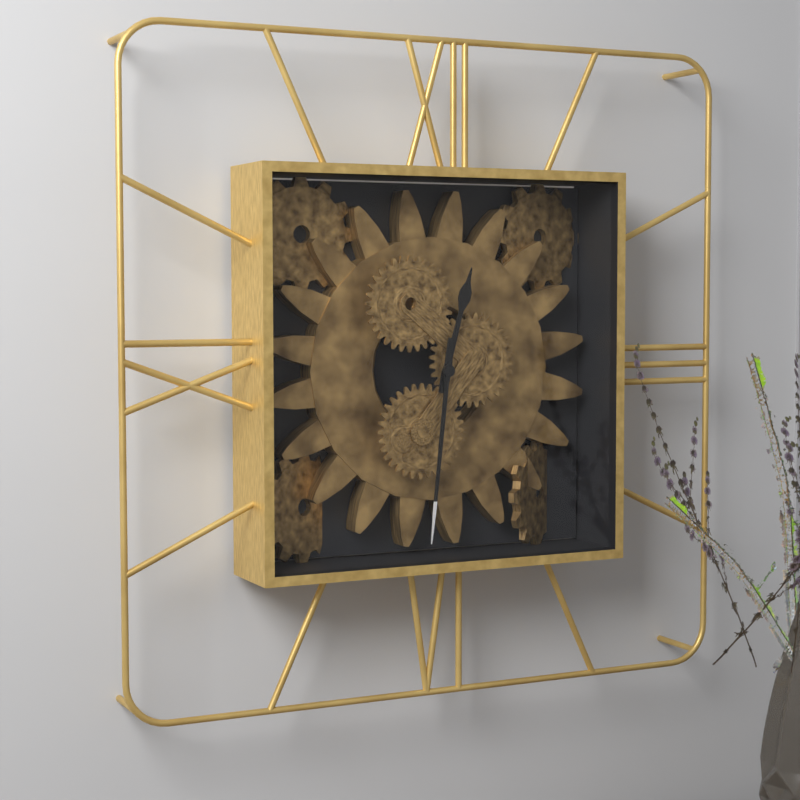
12:31
